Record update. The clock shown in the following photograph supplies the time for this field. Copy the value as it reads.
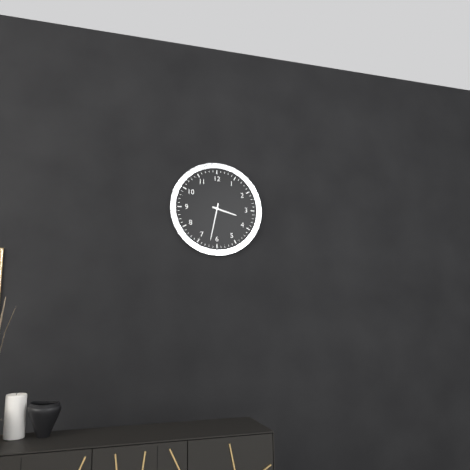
3:32
